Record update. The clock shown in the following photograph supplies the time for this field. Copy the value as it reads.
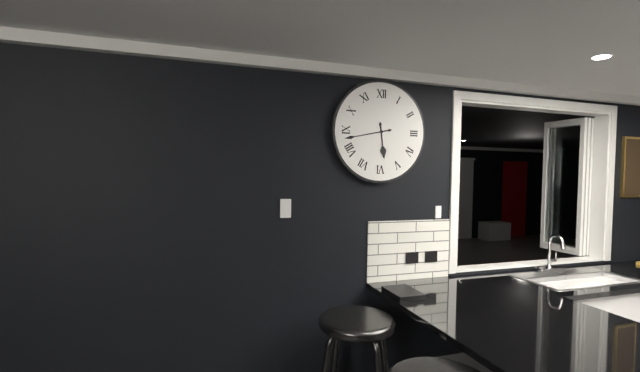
5:43
